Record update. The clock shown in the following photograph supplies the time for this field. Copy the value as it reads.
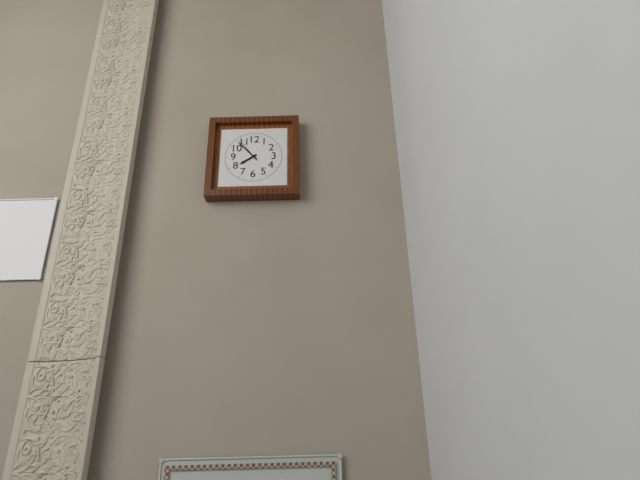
7:53
